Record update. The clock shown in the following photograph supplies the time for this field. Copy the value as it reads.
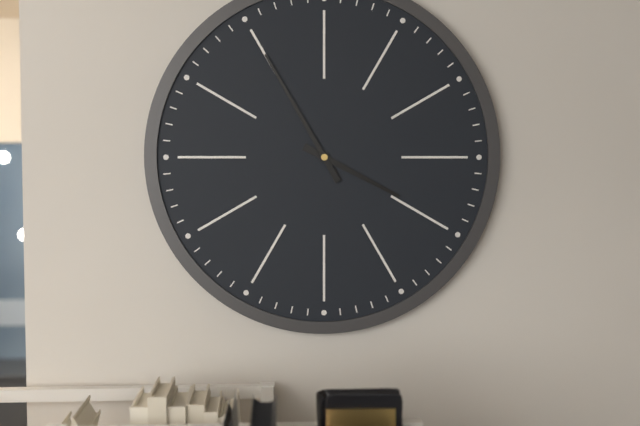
3:55
